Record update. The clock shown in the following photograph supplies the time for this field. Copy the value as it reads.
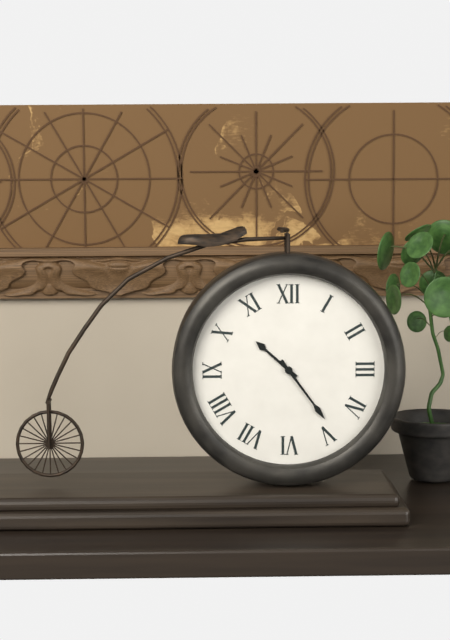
10:24
